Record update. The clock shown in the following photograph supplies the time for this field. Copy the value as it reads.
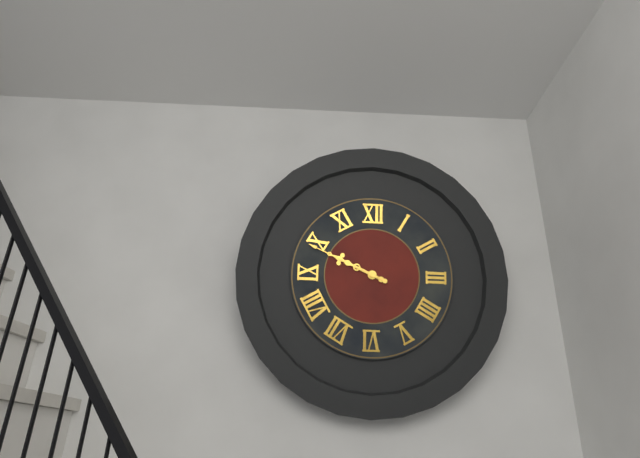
9:49
